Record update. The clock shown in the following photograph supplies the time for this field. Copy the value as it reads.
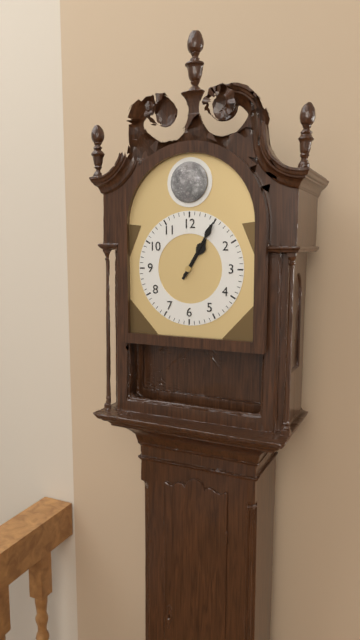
1:05
